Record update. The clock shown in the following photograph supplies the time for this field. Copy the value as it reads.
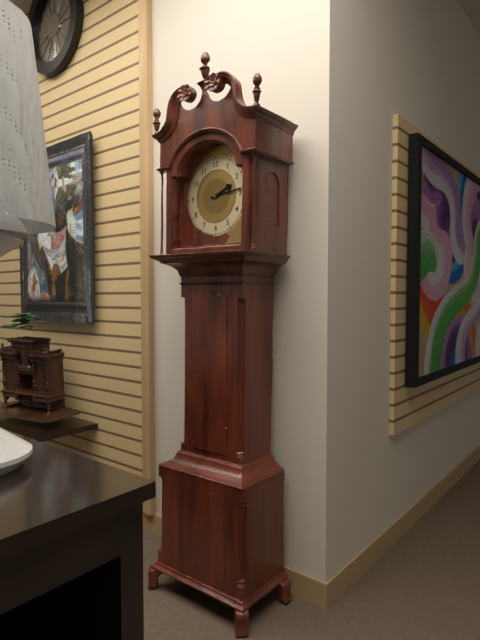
2:14
